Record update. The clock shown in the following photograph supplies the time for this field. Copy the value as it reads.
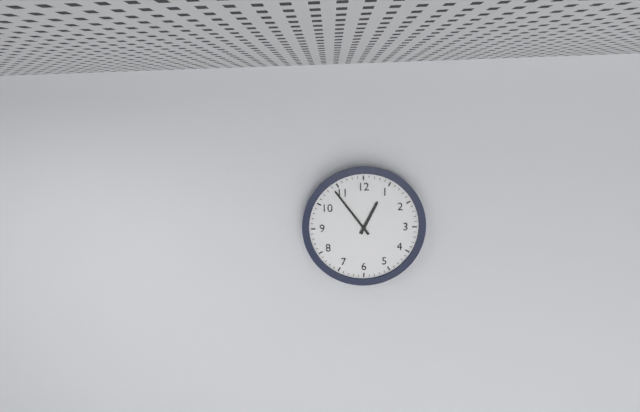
12:54
